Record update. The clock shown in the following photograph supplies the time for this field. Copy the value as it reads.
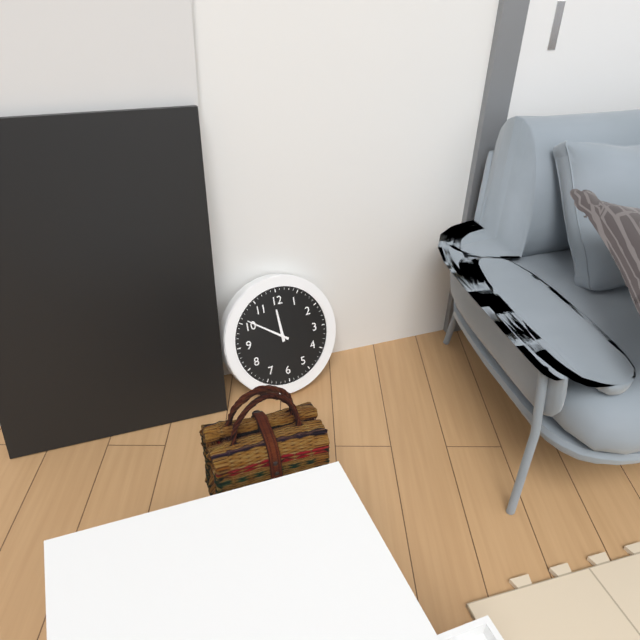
11:51
